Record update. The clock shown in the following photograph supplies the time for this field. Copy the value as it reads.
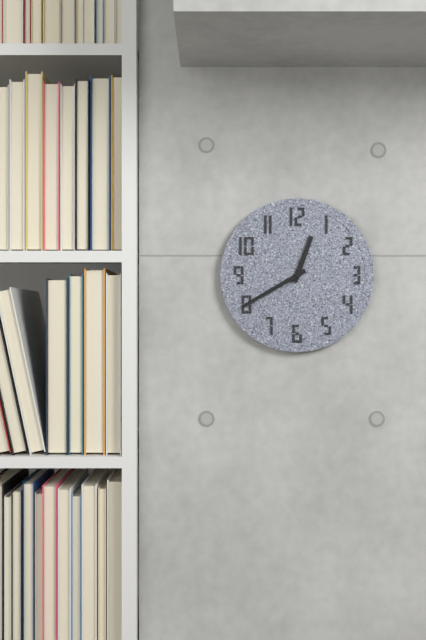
12:40
